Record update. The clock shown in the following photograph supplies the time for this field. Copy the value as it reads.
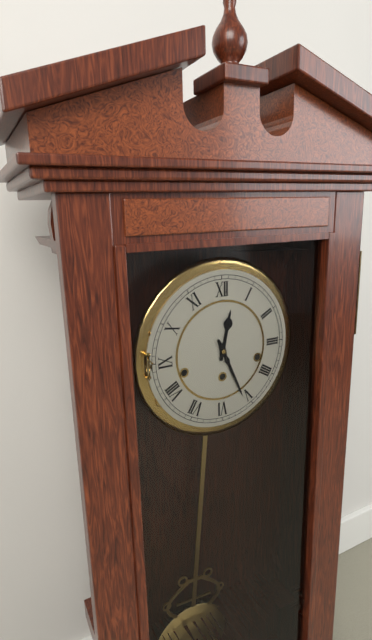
12:26
